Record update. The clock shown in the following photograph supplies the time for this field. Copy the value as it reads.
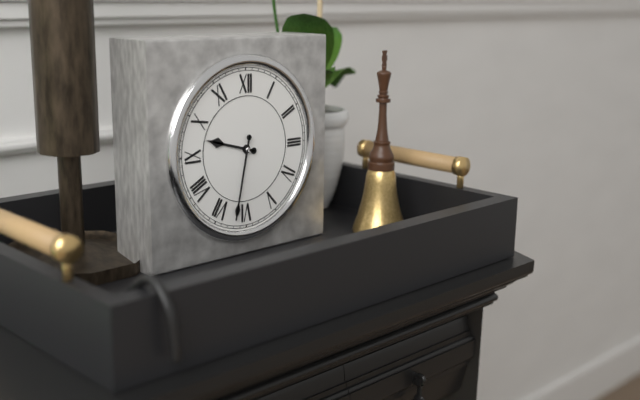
9:32
